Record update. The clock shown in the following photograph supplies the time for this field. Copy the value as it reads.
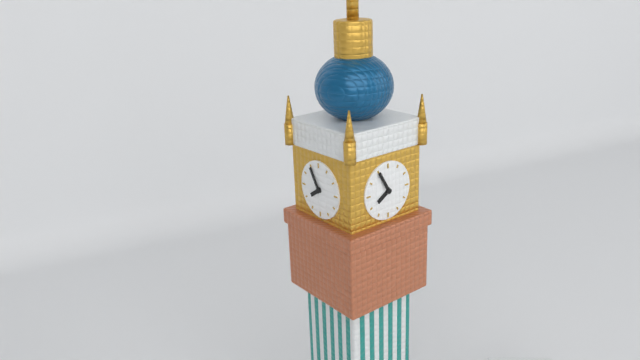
7:55
